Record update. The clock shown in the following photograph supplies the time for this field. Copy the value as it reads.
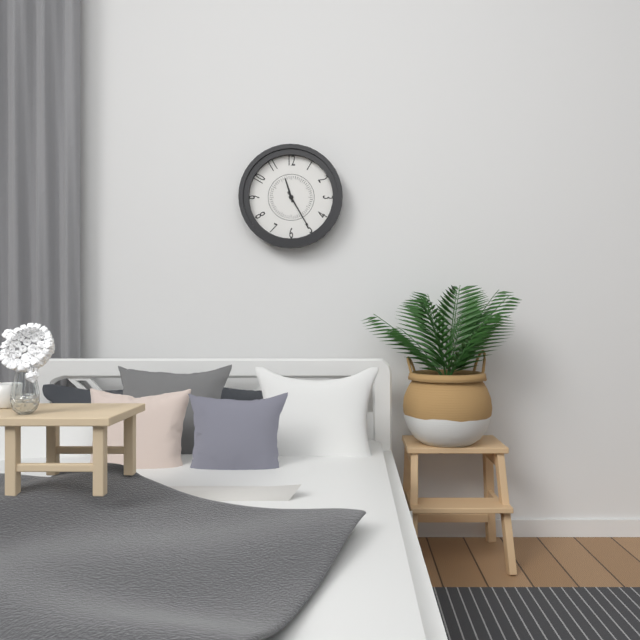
11:25
